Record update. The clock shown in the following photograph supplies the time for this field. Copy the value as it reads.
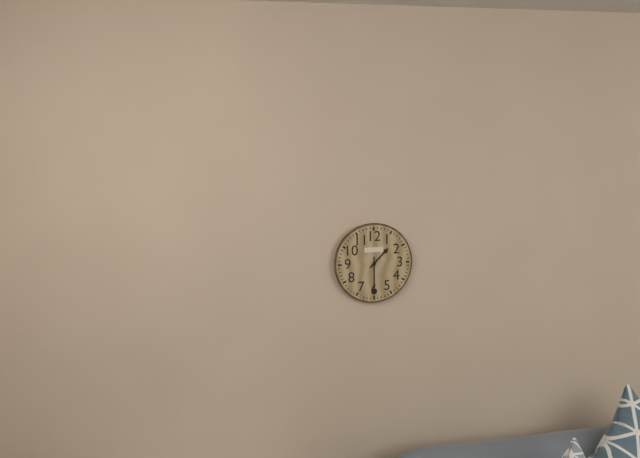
1:30
